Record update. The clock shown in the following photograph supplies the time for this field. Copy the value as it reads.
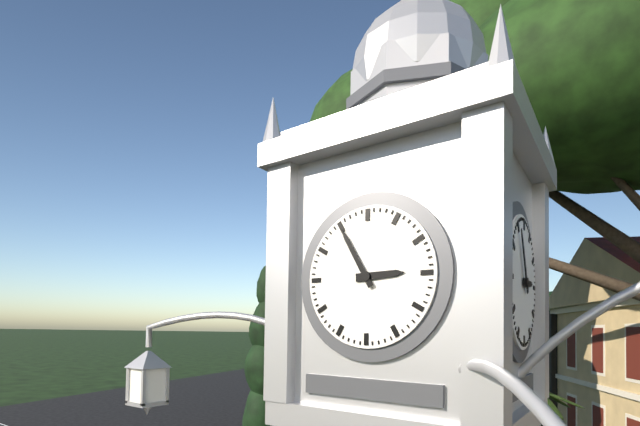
2:55
